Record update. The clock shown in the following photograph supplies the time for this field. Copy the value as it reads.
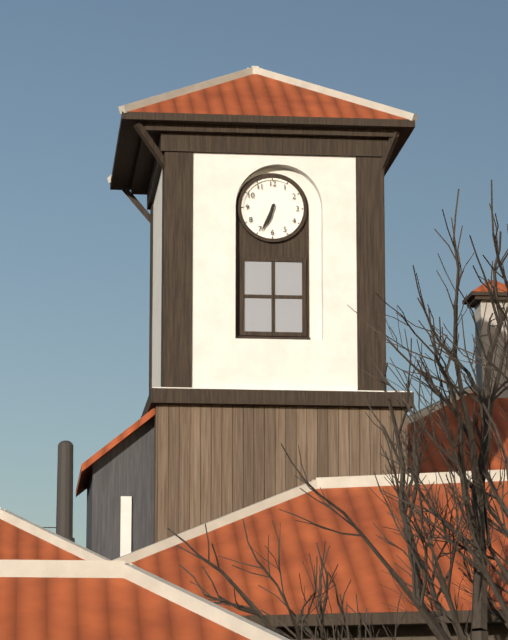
6:34
